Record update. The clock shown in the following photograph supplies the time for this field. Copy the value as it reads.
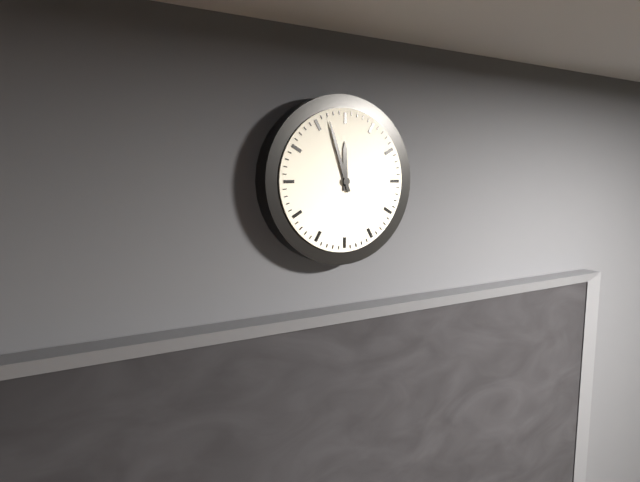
11:57
